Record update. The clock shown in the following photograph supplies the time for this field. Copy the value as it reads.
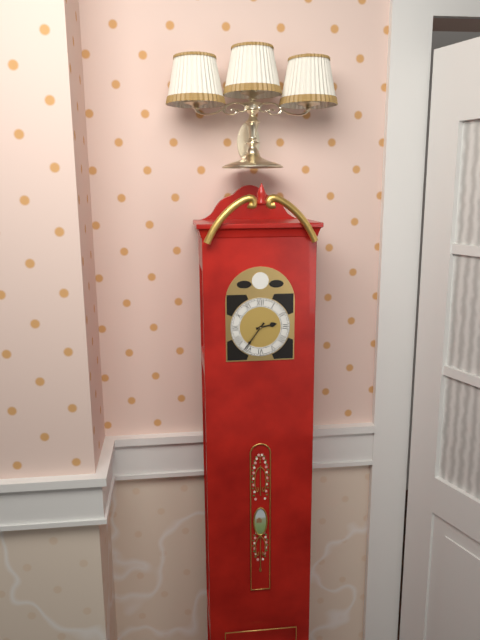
2:36
